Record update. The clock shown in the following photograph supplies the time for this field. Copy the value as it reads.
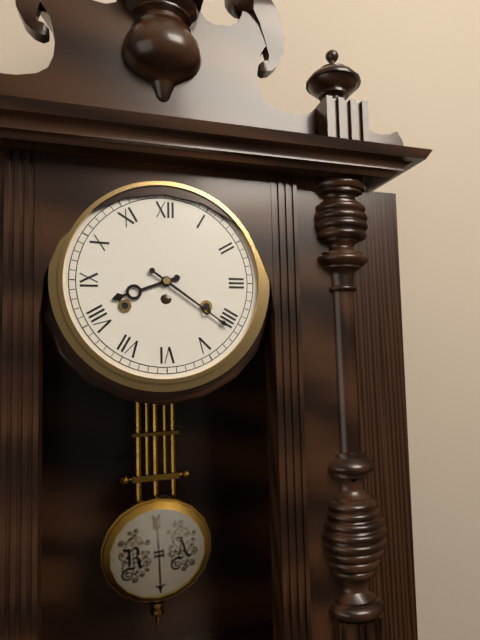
8:21
